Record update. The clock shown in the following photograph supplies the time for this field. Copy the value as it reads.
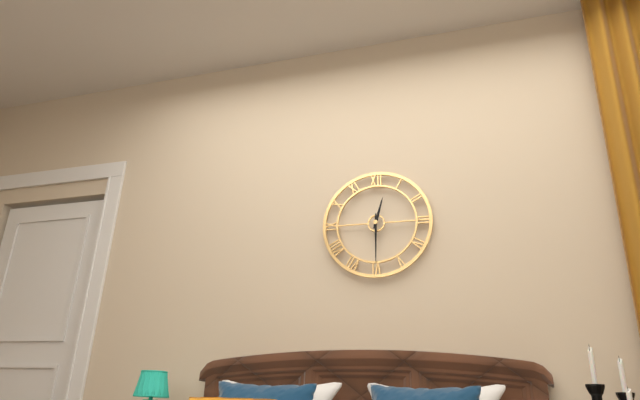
12:30
